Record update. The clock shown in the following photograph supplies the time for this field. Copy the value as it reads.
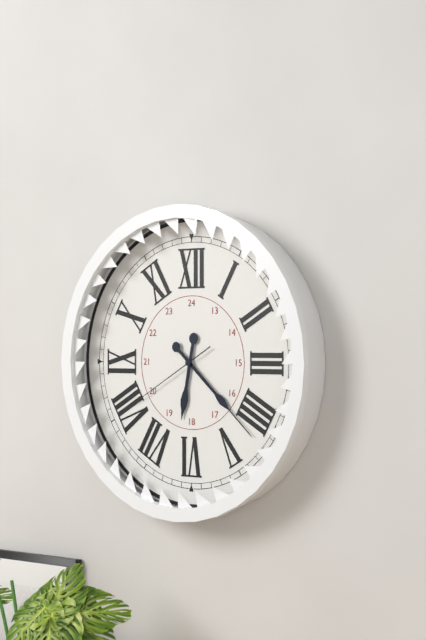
6:22:40
